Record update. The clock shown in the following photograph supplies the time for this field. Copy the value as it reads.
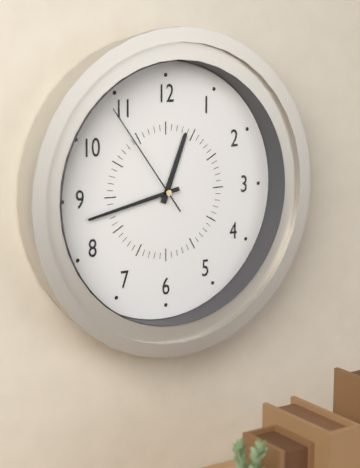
12:43:54
